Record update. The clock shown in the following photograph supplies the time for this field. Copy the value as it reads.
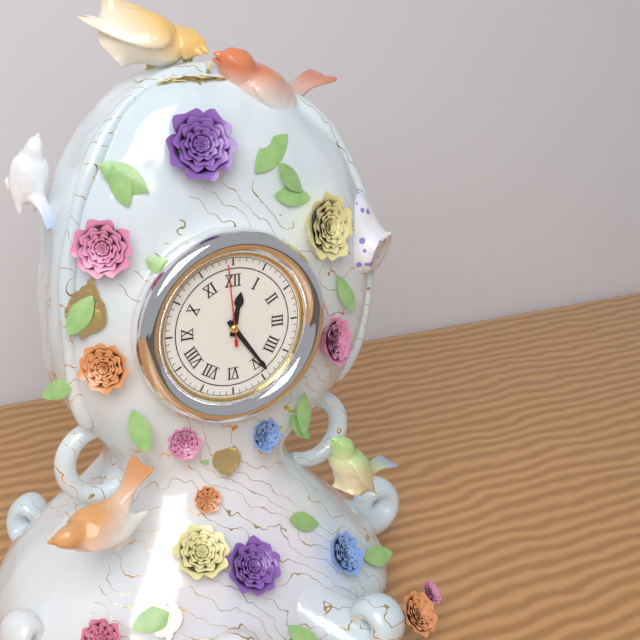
12:24:59
